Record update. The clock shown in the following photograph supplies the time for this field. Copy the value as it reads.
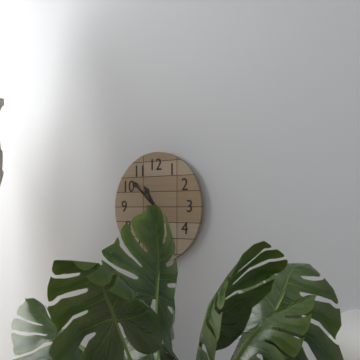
10:52
